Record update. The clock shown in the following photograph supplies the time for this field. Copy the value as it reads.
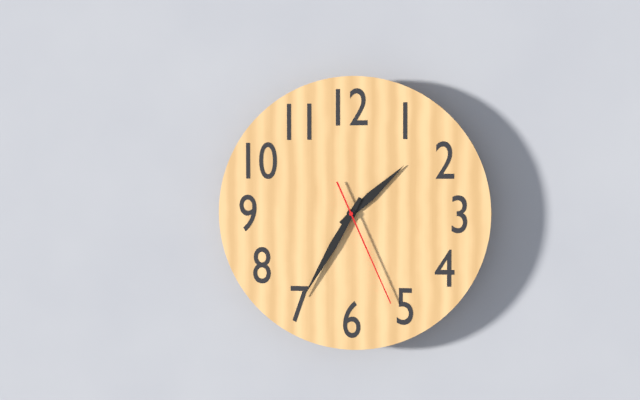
1:35:26
